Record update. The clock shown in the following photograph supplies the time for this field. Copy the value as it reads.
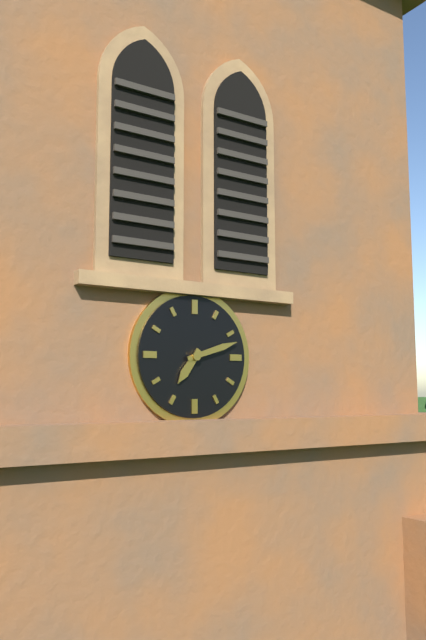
7:12
